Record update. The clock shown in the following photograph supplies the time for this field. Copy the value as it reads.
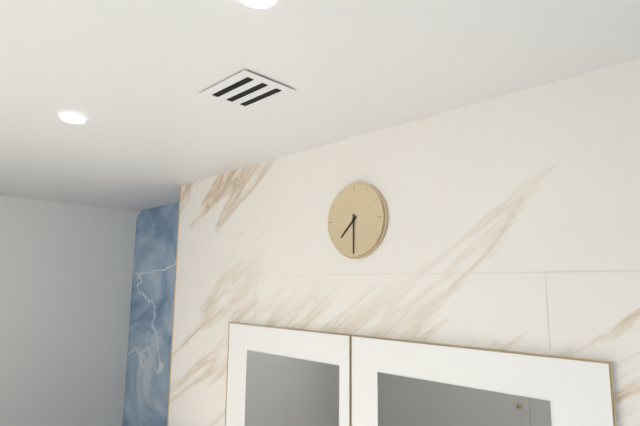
7:30
